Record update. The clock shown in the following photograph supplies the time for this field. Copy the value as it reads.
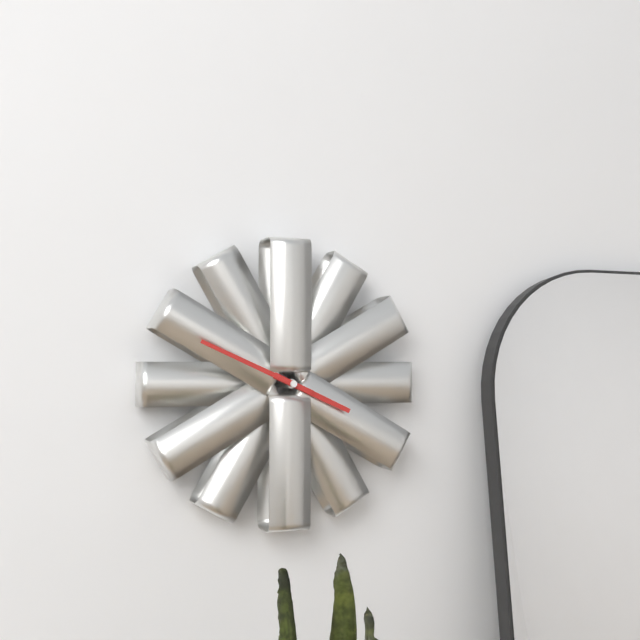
3:49
